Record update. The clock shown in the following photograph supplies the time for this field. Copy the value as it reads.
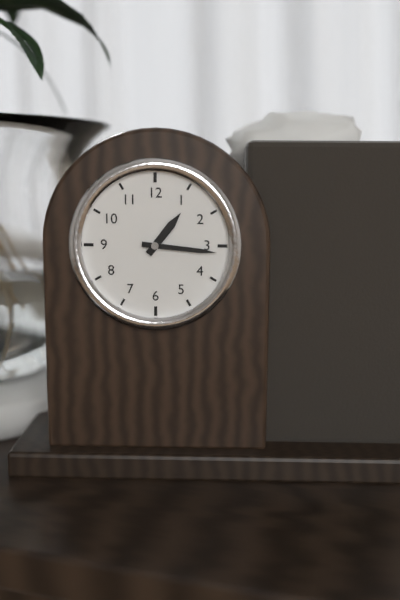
1:16
